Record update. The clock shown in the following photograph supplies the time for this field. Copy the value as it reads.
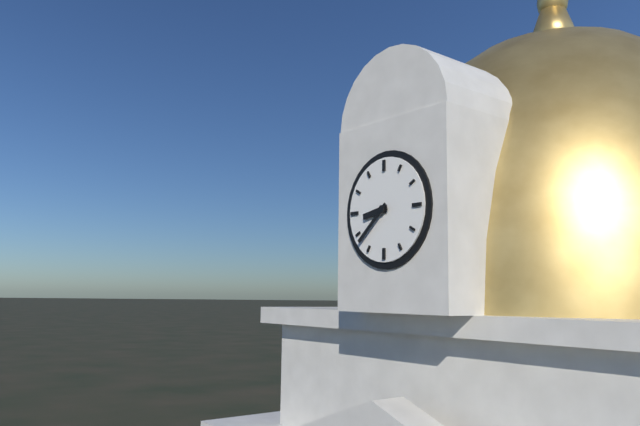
8:38
